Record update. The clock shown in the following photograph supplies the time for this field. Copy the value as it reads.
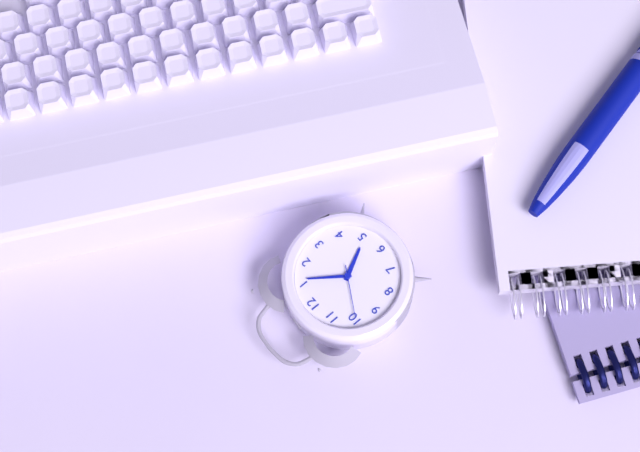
5:06:50
